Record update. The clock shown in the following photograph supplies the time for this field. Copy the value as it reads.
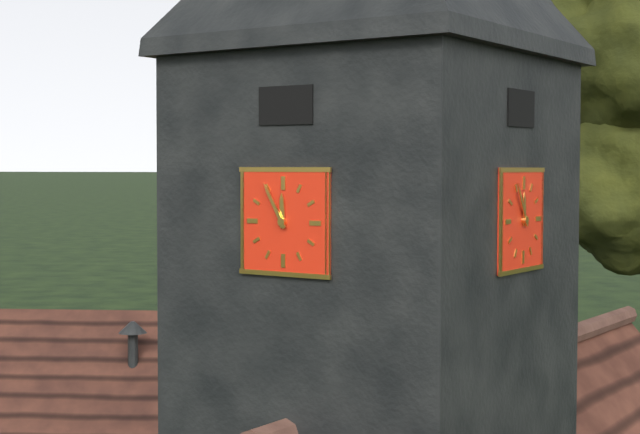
11:55
